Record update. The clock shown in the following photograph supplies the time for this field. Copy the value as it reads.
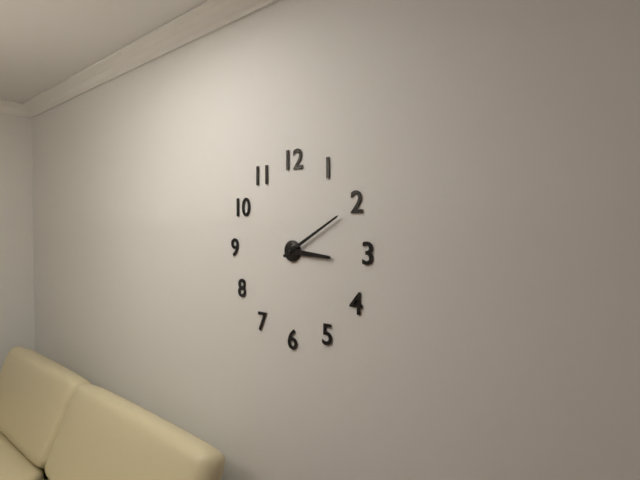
3:10
